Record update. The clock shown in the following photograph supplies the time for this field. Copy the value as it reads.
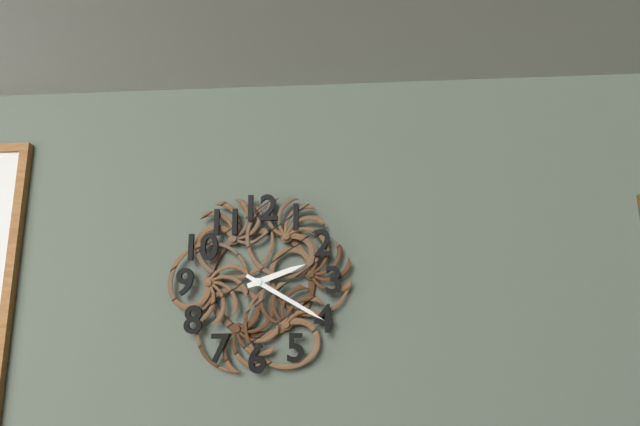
2:20
